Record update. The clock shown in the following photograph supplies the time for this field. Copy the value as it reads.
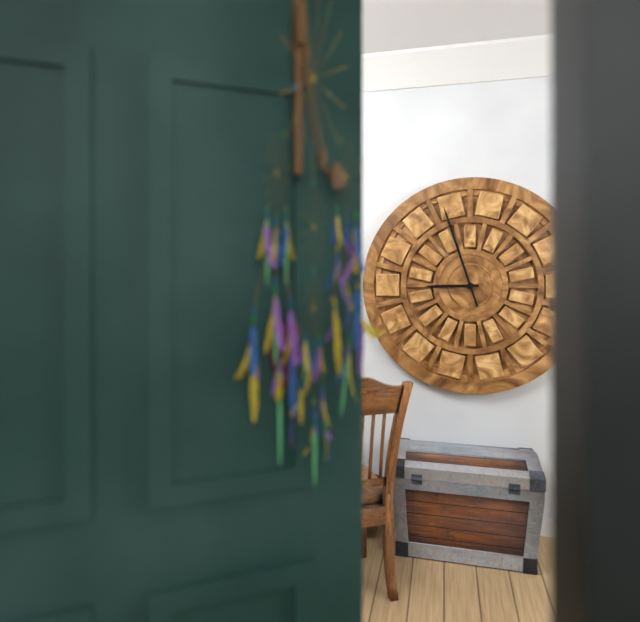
8:57
